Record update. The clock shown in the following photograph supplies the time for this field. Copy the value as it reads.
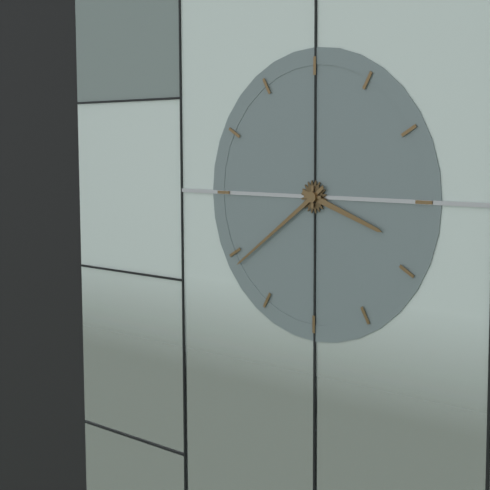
3:39
